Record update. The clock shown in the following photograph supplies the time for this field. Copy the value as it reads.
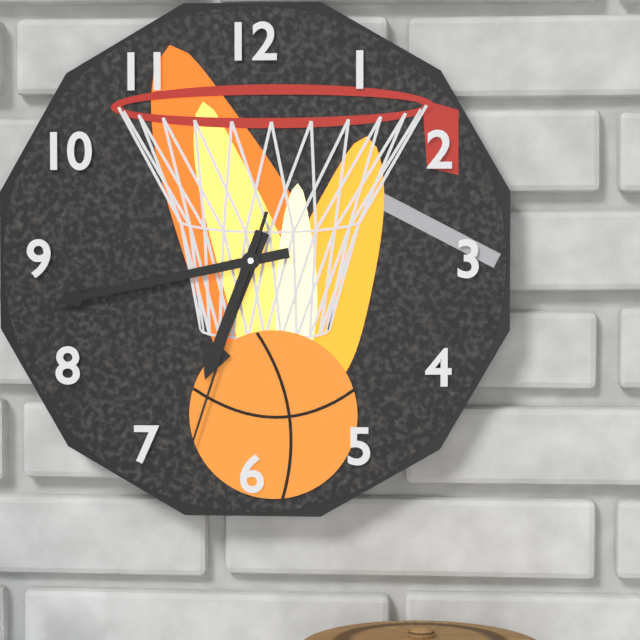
6:43:33
